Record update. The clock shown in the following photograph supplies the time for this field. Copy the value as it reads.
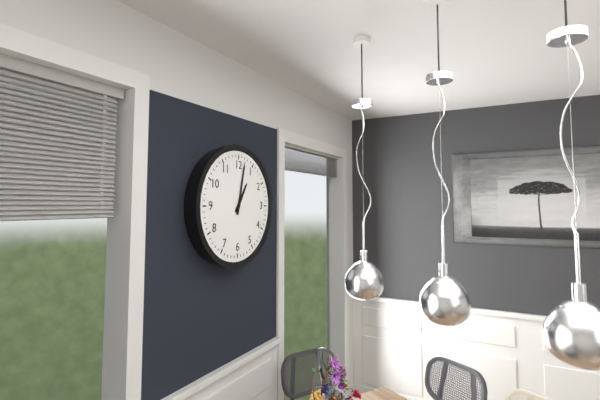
1:02
